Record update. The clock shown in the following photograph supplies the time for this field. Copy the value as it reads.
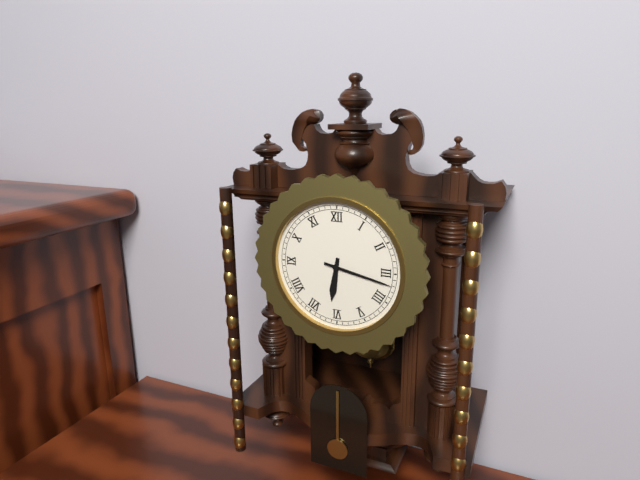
6:17
